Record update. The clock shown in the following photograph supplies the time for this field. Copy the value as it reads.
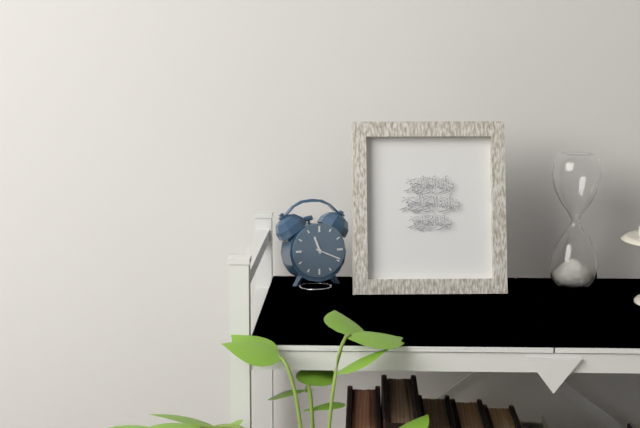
11:19
